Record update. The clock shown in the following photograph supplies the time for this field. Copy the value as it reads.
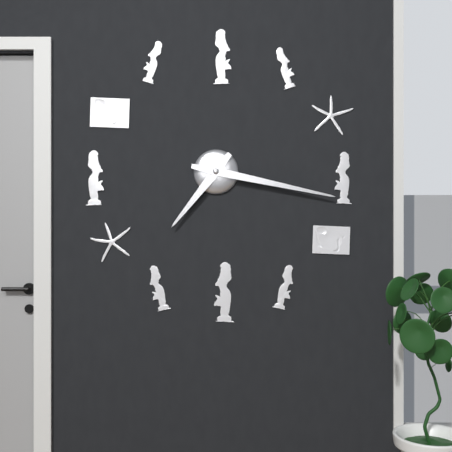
7:17
